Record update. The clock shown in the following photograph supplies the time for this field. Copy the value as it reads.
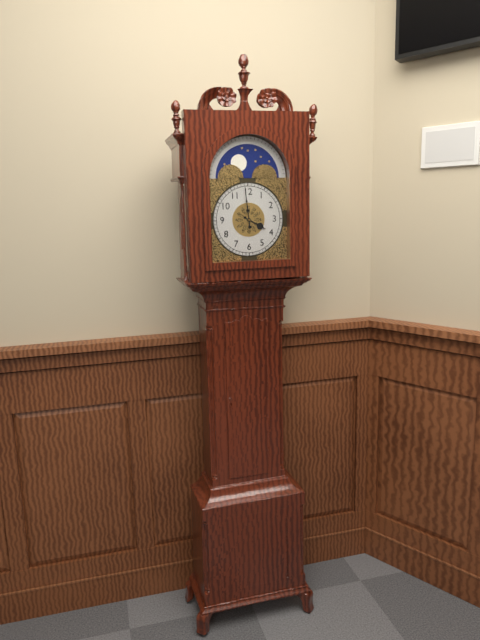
3:59
